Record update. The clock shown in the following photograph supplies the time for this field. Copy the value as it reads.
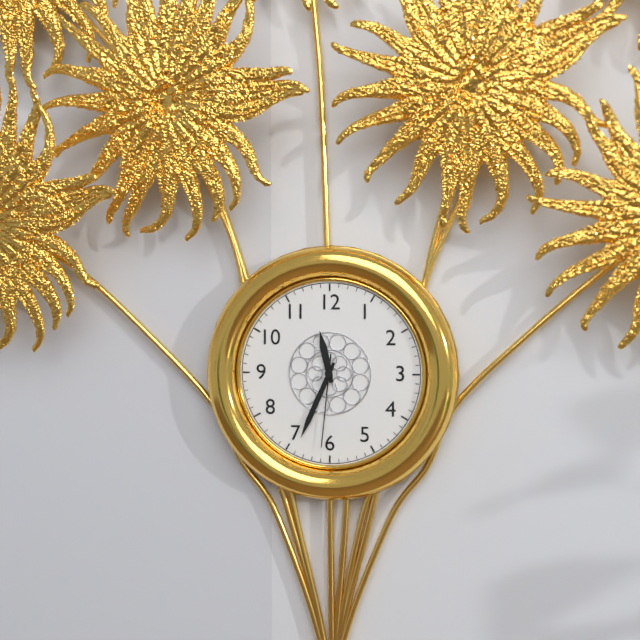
11:34:31
